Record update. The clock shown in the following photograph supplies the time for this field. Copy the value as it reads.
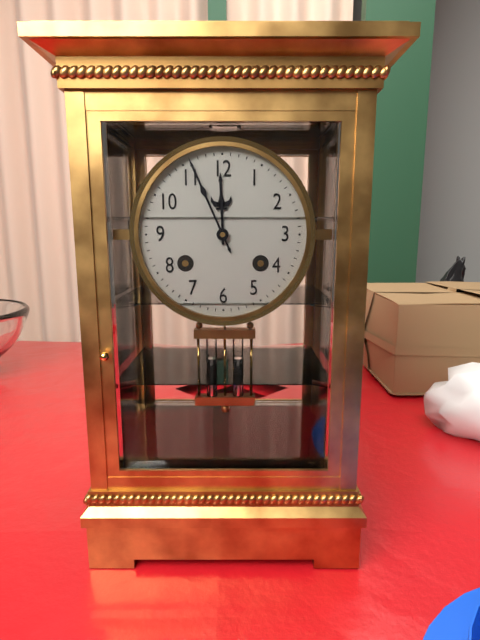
11:56
